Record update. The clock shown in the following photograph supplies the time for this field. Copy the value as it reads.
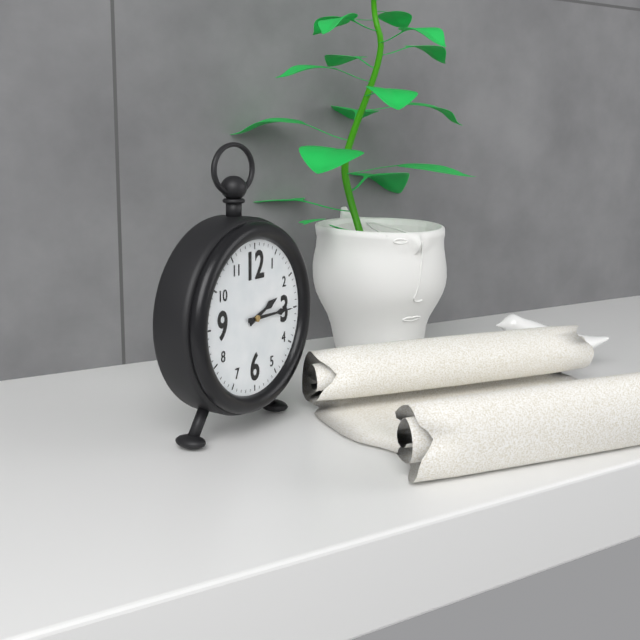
2:15
